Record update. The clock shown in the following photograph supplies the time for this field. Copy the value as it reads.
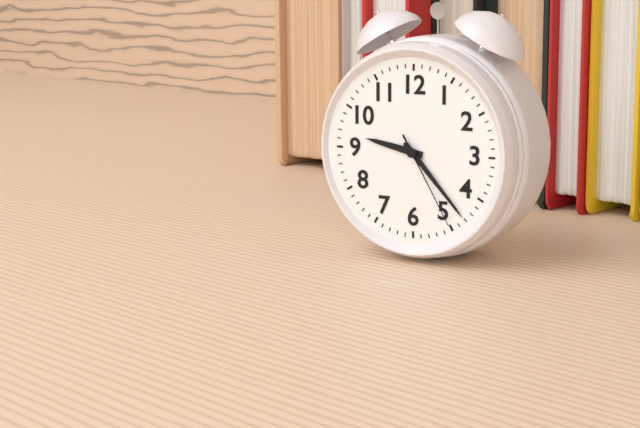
9:23:25
